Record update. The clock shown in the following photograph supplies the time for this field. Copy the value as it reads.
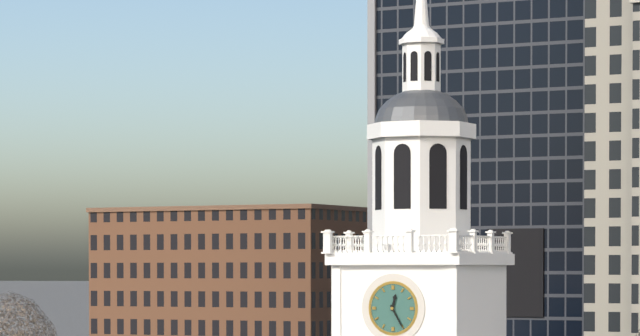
12:25
